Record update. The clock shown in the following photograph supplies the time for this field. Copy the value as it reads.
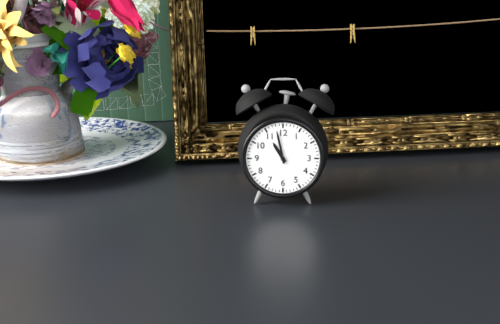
10:58
